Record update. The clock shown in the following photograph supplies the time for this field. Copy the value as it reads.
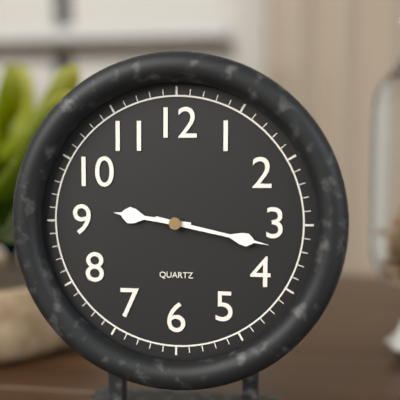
9:17
